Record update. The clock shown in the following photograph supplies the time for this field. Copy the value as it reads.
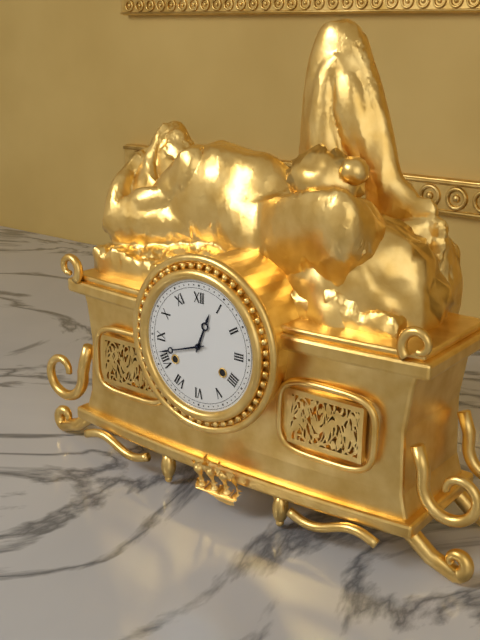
12:42
